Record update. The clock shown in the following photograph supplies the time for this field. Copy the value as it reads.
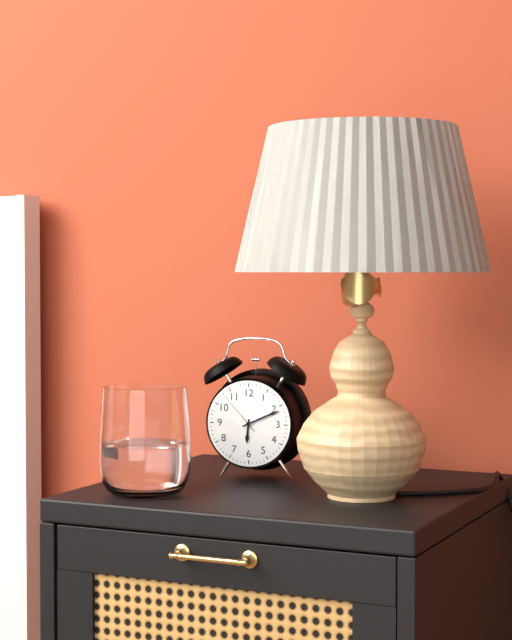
6:11
